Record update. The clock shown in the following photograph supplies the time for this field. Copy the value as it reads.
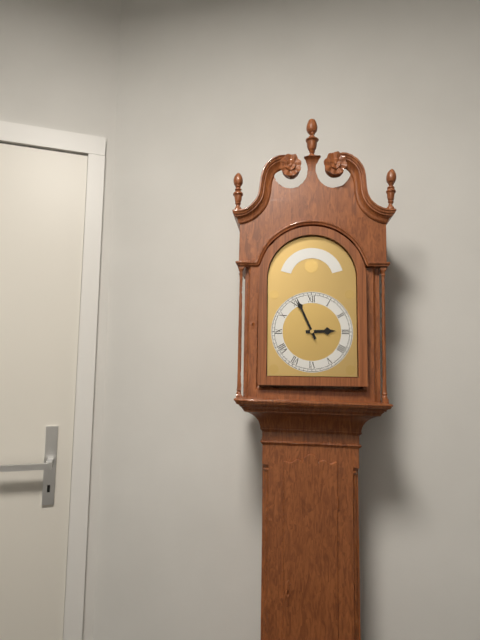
2:56
